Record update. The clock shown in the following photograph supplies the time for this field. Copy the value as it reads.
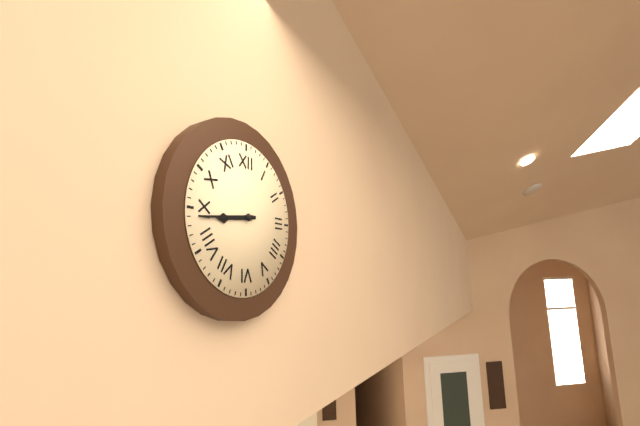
8:44
